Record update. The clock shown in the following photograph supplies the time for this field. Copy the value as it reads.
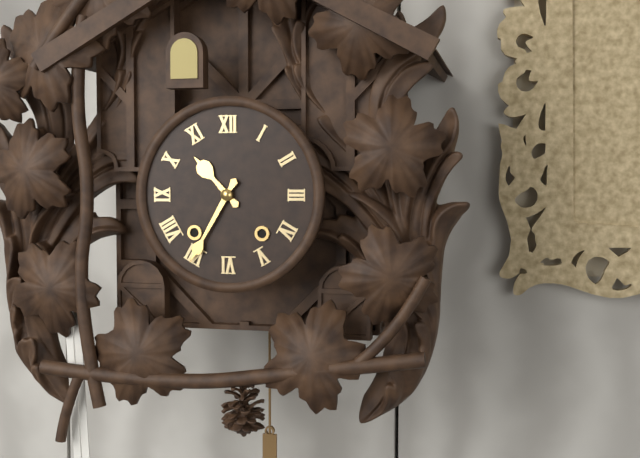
10:35
